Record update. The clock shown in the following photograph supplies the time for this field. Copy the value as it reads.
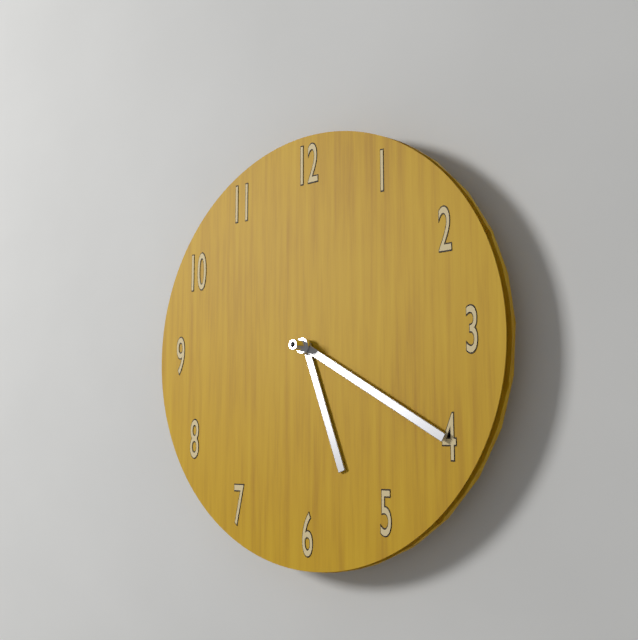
5:20
